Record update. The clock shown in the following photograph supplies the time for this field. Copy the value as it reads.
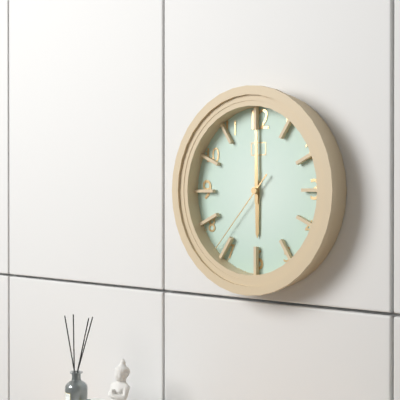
6:00:37
